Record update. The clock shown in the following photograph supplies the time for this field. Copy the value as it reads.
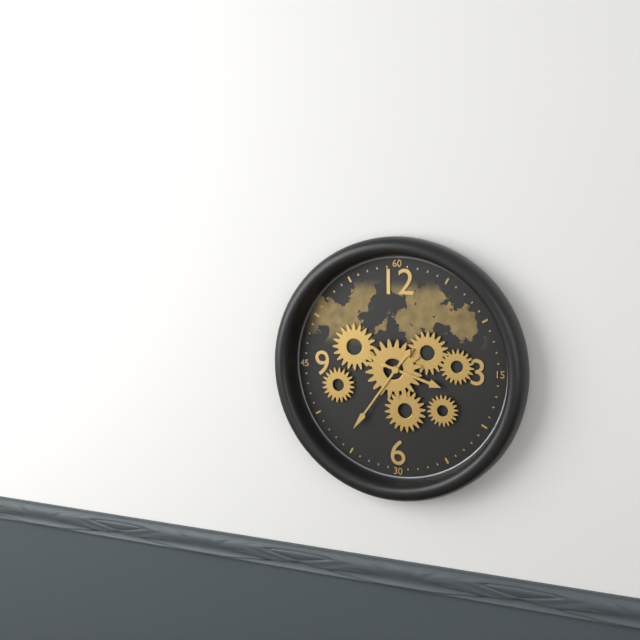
3:36
